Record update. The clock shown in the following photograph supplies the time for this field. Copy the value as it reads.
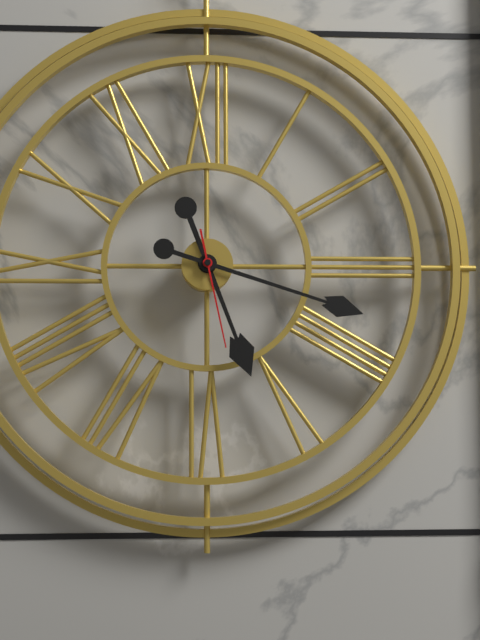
5:18:28
